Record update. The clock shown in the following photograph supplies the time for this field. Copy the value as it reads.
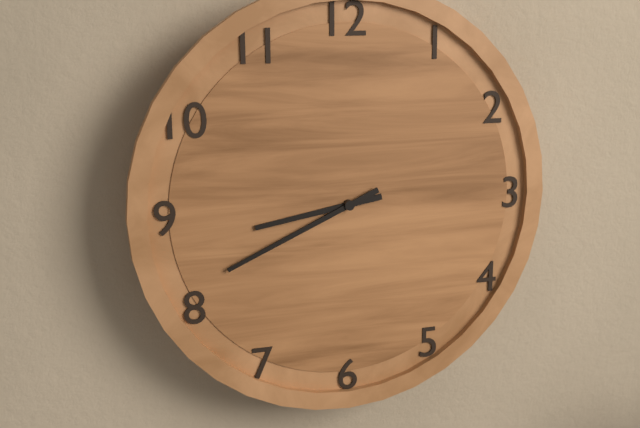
8:41
